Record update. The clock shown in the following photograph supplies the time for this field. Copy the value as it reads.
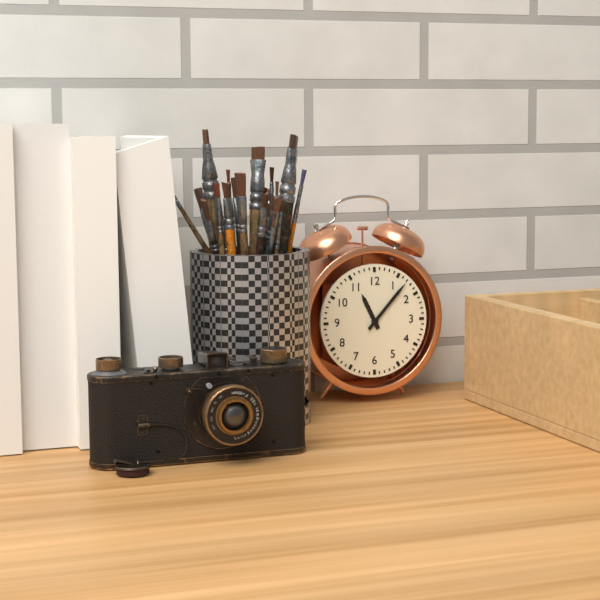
11:07
